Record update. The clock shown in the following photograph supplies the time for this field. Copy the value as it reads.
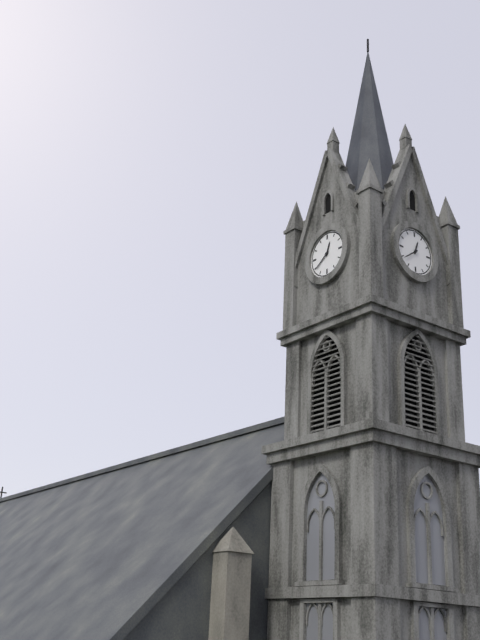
12:39
